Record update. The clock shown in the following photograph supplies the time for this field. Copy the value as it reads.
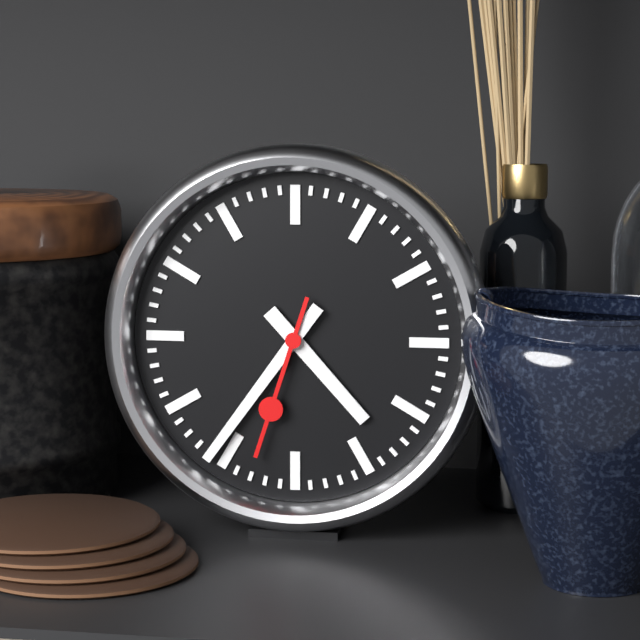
4:36:33
